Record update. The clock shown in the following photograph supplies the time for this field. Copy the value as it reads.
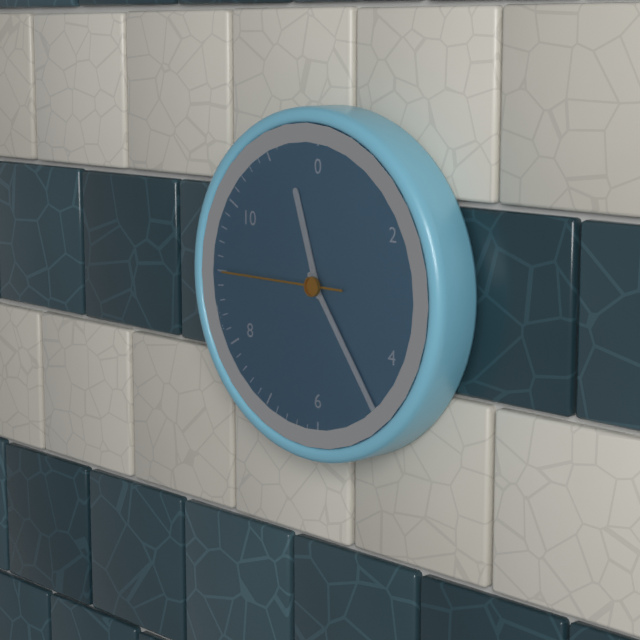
11:24:45
